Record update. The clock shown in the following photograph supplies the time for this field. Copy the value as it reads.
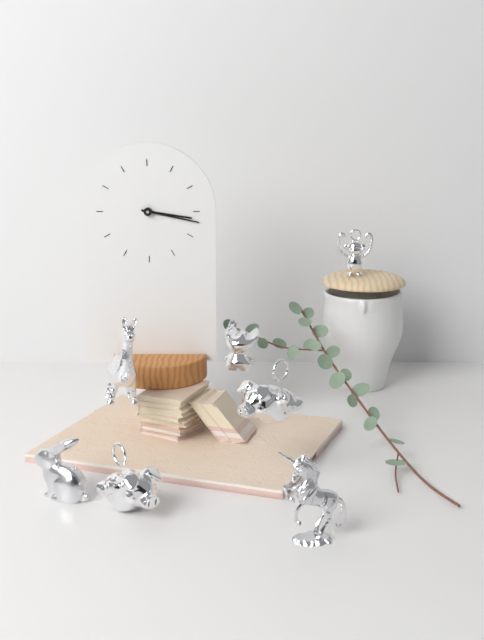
3:17
